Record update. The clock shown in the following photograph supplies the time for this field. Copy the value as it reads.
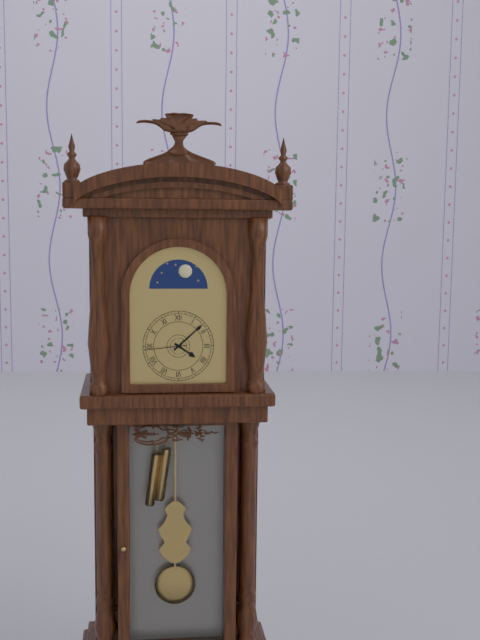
4:08
